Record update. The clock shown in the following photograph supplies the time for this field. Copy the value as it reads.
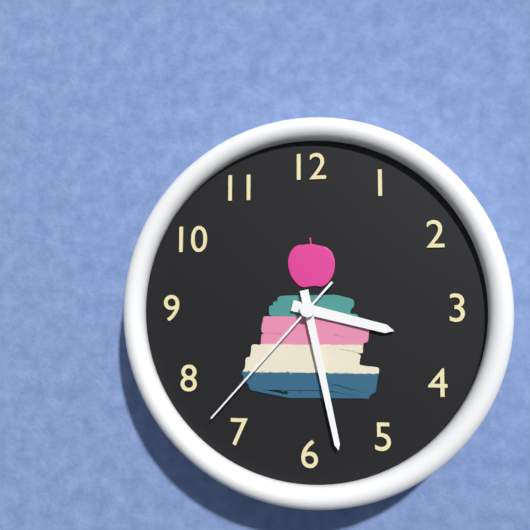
3:28:37
